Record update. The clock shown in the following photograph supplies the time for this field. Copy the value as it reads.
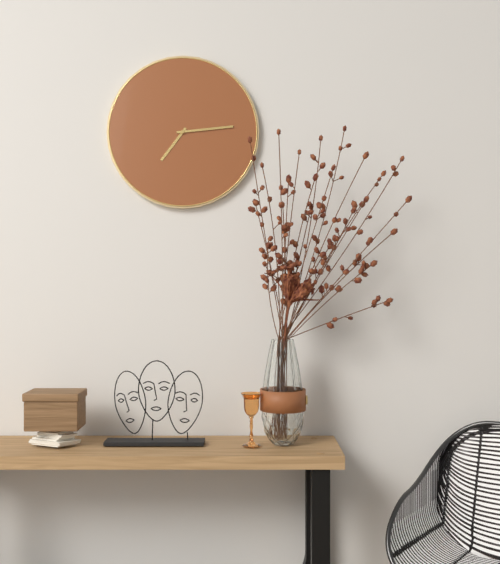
7:14
